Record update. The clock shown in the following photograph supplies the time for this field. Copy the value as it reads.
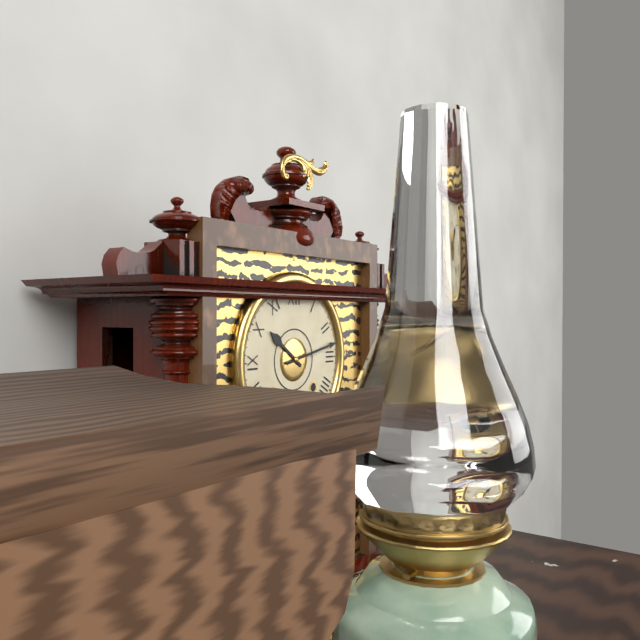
10:13
